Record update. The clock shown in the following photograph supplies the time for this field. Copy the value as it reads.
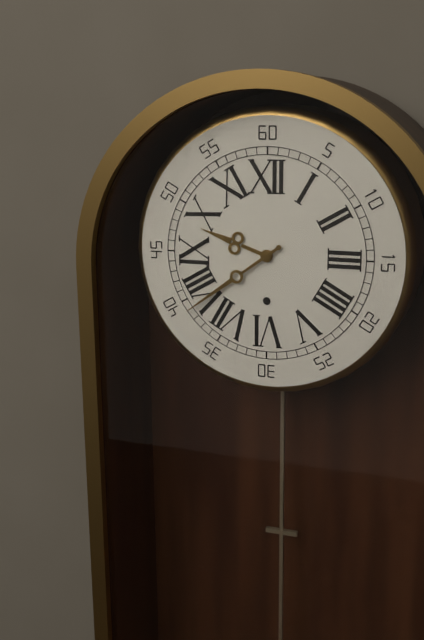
9:39
